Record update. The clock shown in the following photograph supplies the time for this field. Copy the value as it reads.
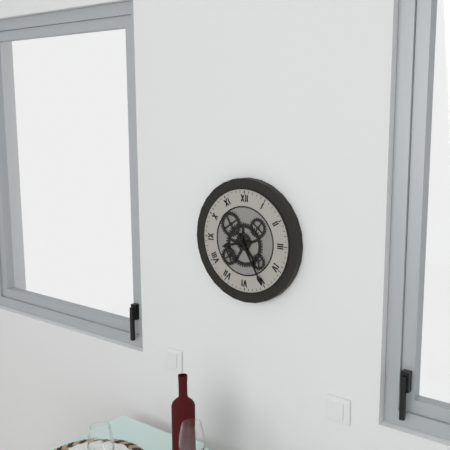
8:25
